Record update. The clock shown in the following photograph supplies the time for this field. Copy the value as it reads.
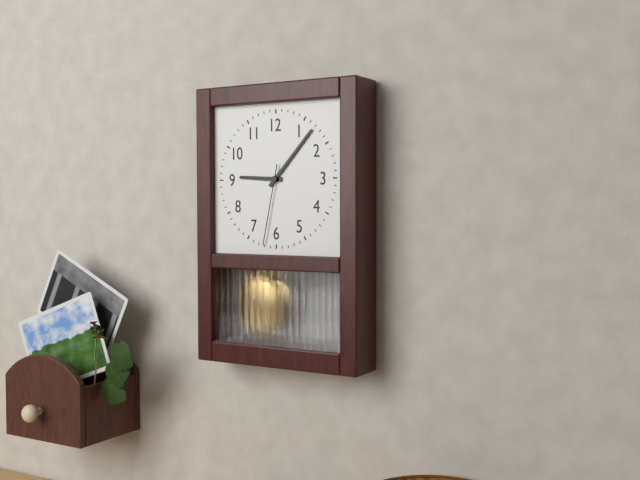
9:07:32
